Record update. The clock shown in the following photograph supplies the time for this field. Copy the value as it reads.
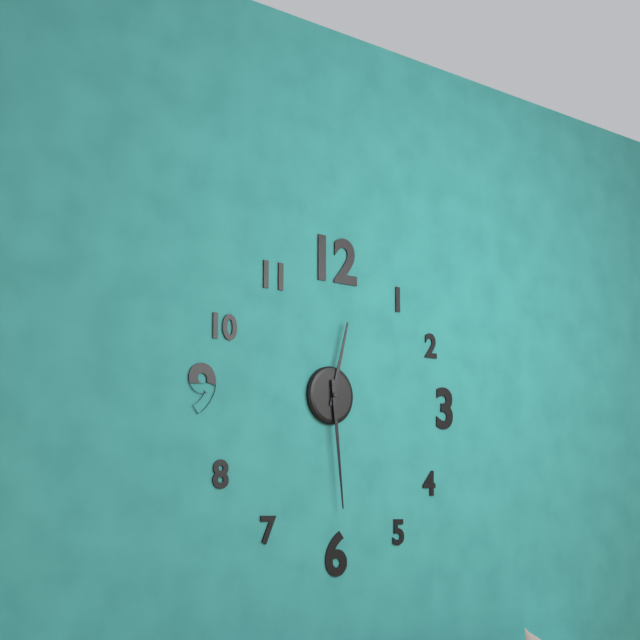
12:29
